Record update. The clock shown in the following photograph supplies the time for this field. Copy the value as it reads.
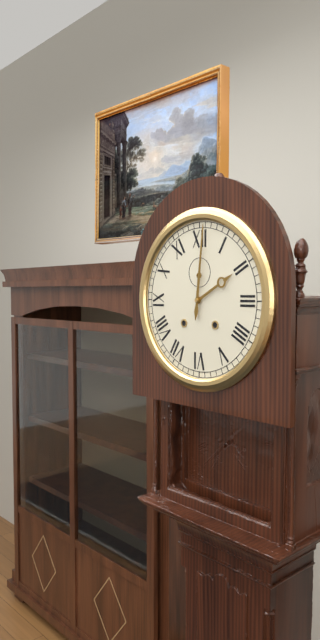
2:01
